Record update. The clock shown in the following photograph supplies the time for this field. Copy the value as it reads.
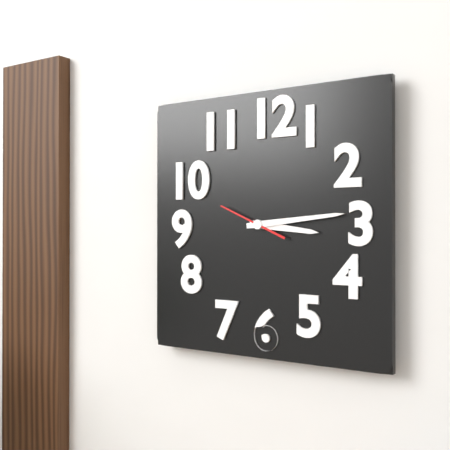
3:14:49
